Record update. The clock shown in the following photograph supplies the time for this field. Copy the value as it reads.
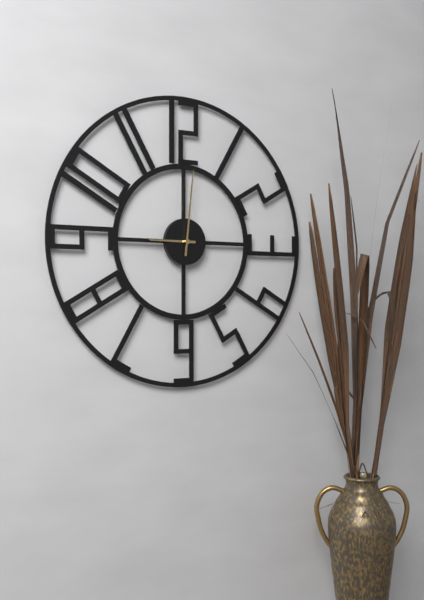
9:01
